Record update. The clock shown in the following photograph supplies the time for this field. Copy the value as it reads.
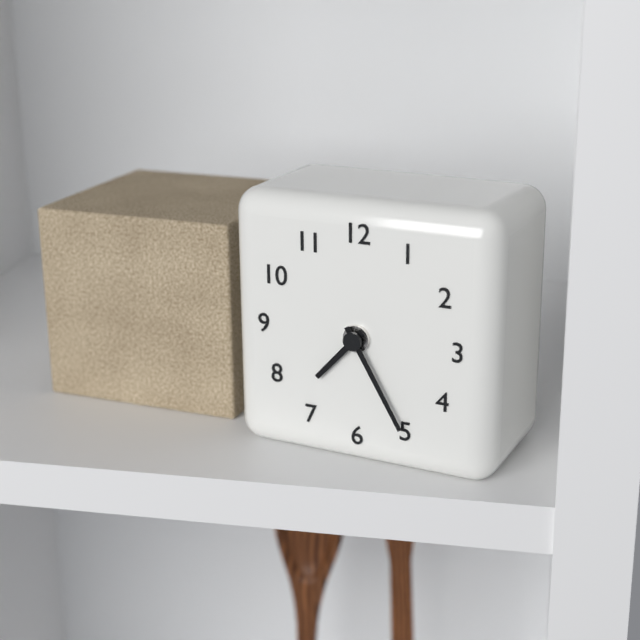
7:25
